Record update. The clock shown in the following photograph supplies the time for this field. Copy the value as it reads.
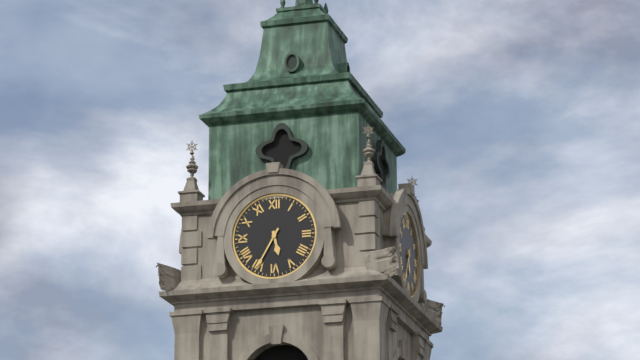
5:35
